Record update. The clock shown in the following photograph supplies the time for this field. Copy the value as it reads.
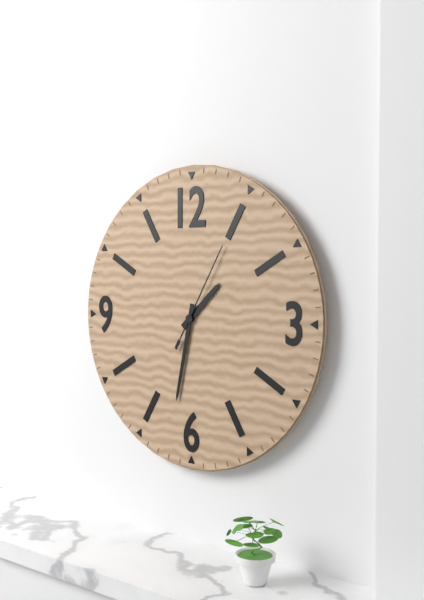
1:32:05
